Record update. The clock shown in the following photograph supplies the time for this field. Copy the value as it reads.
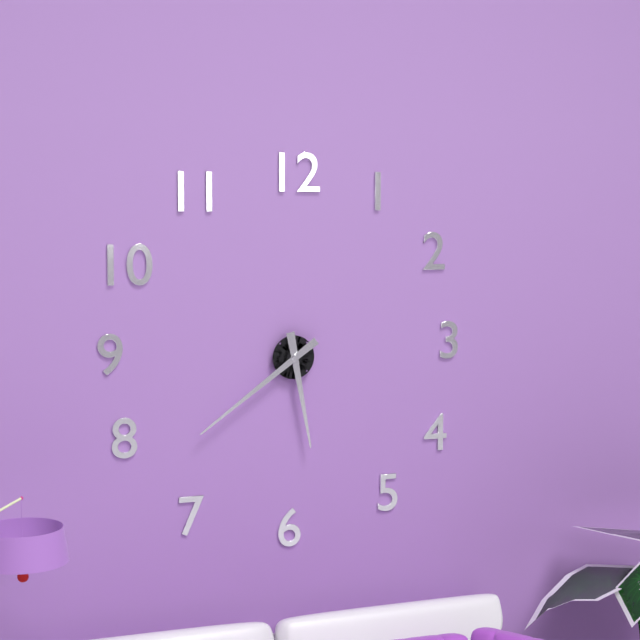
5:39
